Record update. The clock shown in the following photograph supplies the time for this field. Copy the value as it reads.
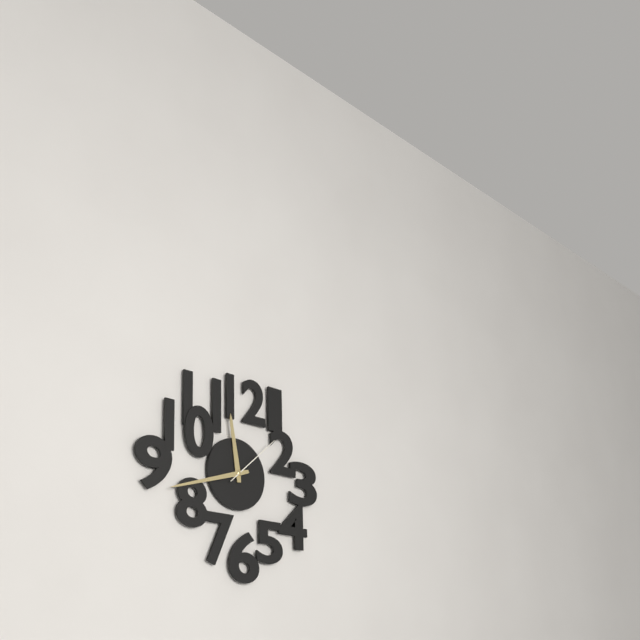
11:42:08
